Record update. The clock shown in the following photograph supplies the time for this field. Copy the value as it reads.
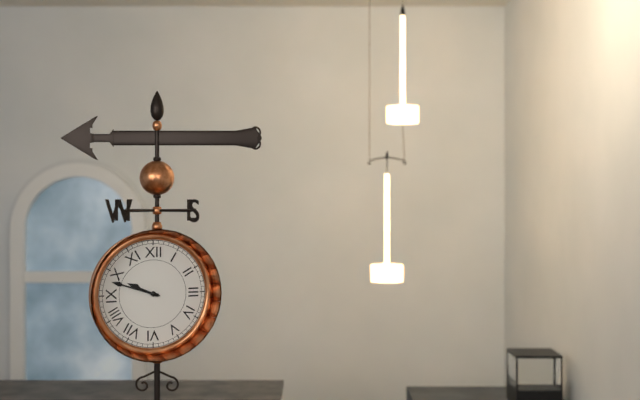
9:48
